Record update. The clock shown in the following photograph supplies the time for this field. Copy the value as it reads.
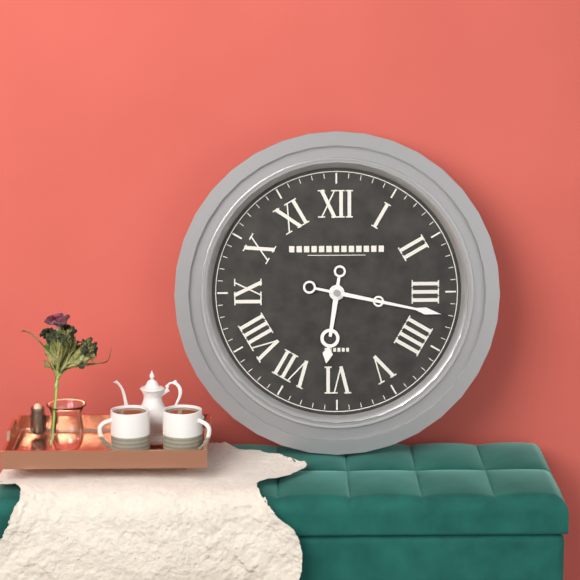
6:17
